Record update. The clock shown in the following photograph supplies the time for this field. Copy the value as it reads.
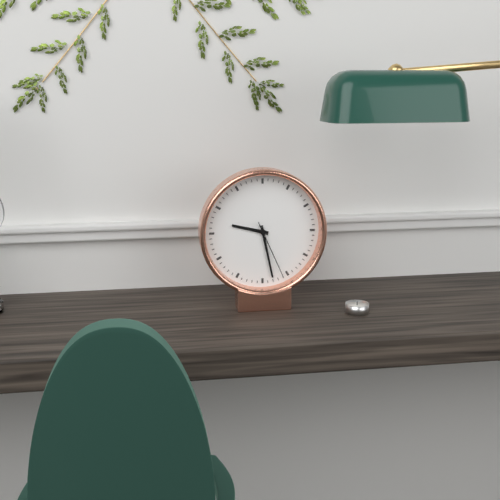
9:28:26
